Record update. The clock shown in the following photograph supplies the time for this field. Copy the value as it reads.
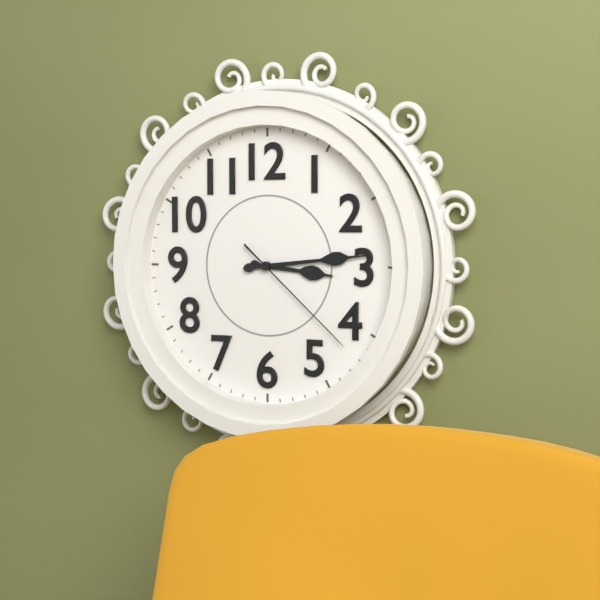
3:14:22
